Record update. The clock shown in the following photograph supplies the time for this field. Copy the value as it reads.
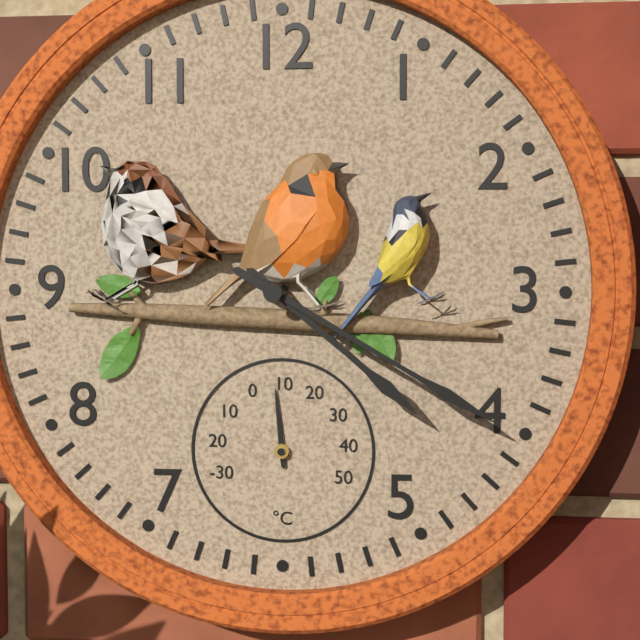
4:20
